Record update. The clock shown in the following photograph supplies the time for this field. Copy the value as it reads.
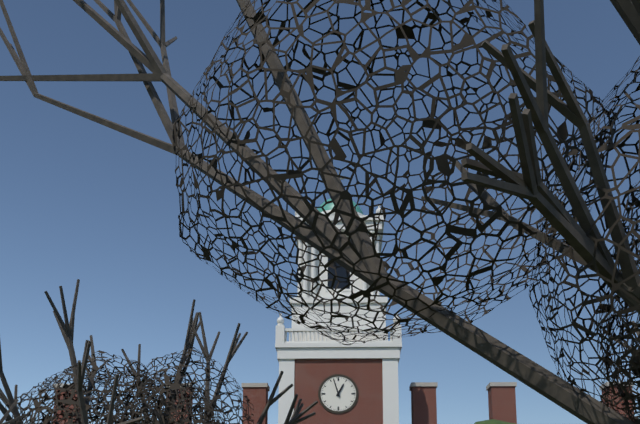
12:57
